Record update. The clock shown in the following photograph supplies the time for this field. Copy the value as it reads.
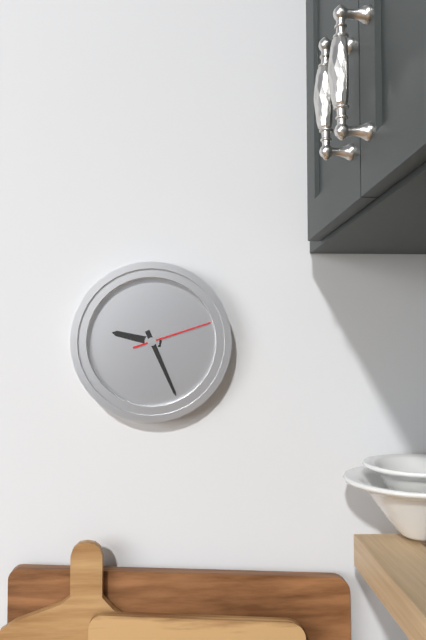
9:26:12
